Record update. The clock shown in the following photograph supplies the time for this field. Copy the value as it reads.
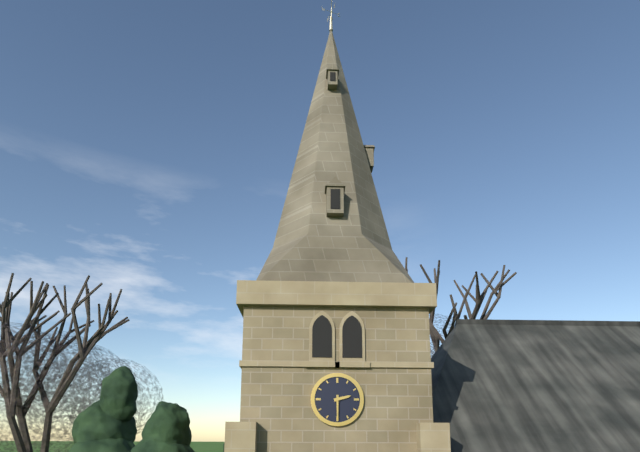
2:30
